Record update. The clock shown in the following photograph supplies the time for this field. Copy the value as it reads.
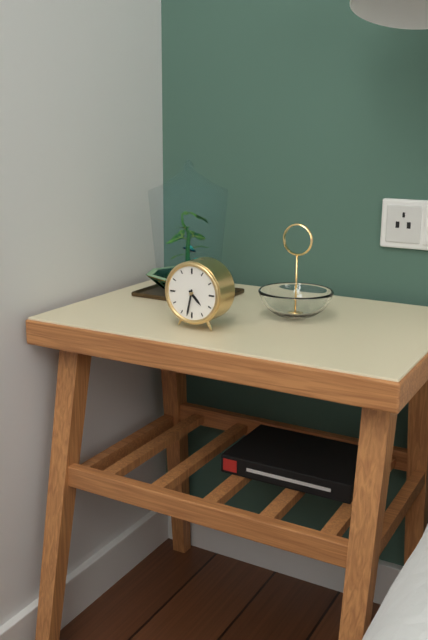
4:32
